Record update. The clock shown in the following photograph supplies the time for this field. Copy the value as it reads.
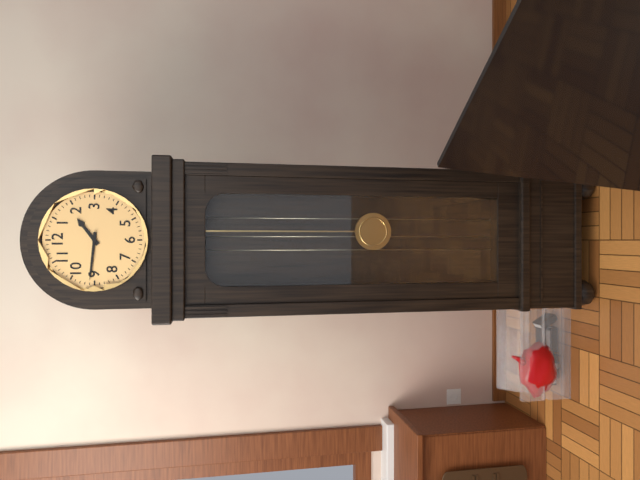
1:46
